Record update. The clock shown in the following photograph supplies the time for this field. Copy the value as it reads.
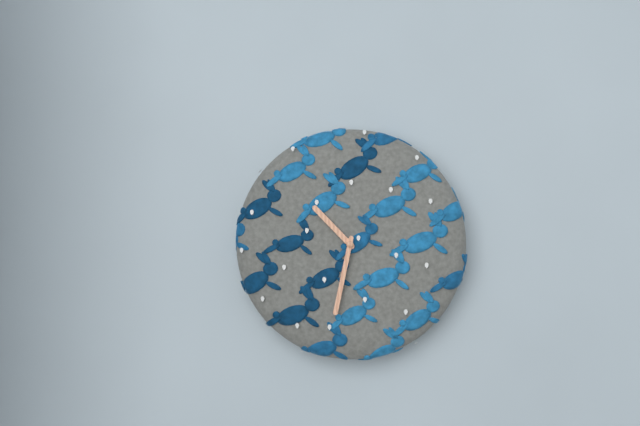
10:32
